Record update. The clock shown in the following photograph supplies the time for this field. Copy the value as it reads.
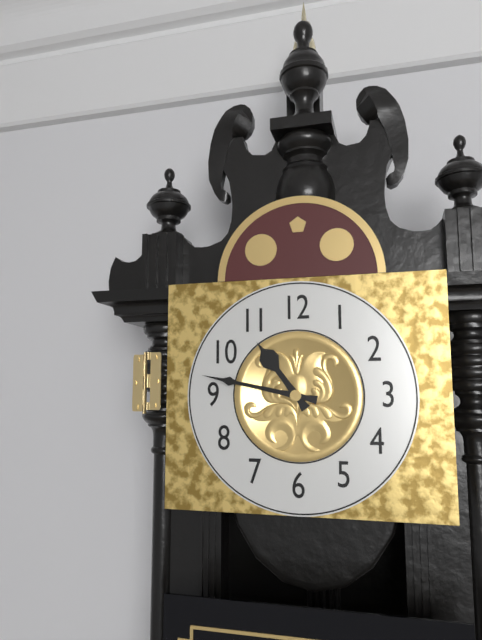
10:47
